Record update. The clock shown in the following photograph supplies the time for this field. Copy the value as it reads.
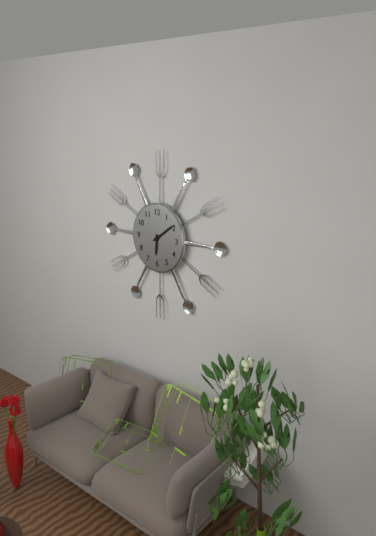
6:09
